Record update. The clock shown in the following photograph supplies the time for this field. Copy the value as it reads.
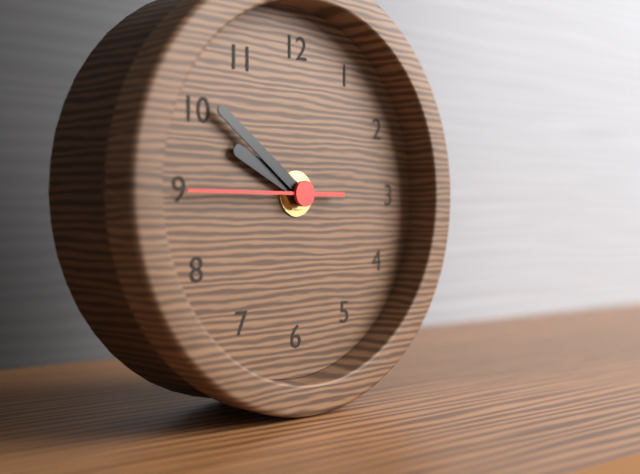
9:51:45
